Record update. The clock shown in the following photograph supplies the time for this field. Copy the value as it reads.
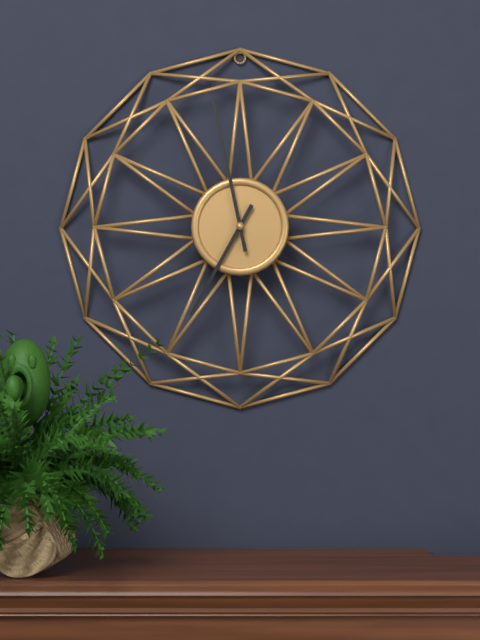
6:58
